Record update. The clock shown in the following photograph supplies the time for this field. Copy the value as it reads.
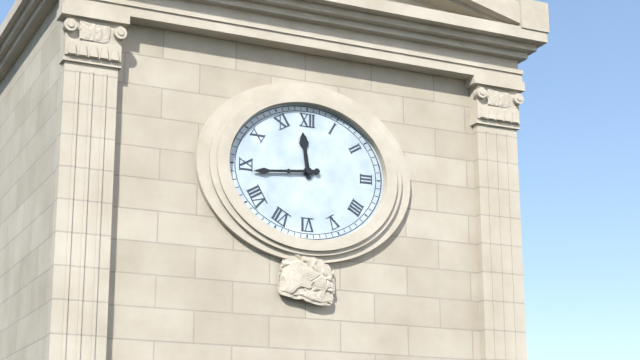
11:44
